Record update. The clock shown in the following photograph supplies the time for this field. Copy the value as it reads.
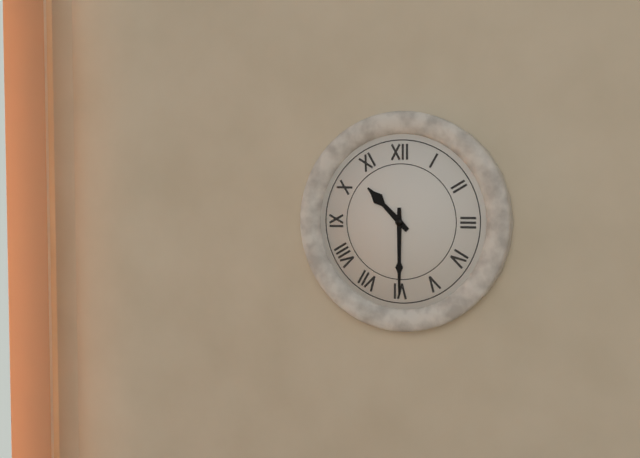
10:30
